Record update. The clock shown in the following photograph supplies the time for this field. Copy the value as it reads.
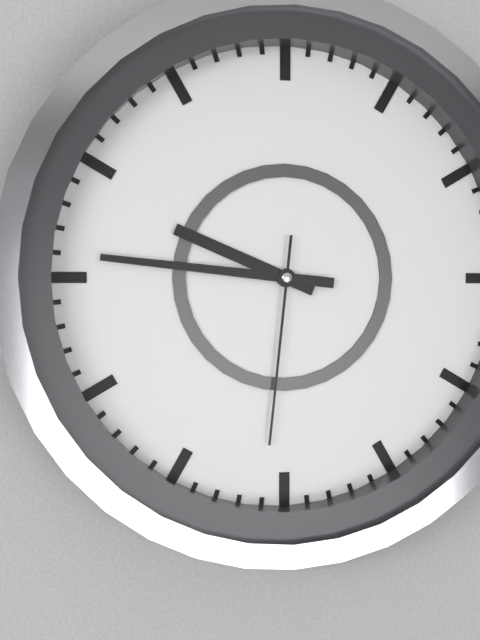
9:46:31
